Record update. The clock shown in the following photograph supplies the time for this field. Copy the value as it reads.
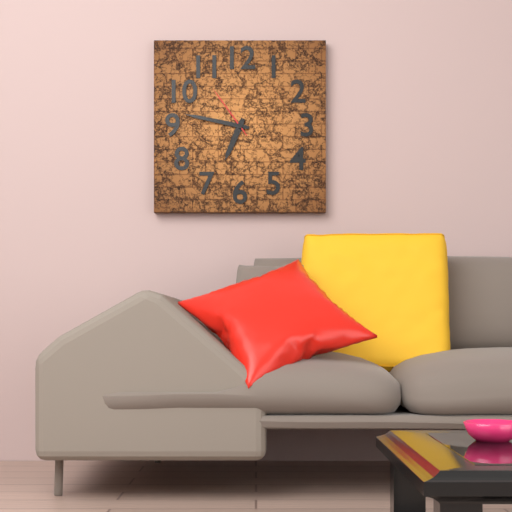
6:47:54
